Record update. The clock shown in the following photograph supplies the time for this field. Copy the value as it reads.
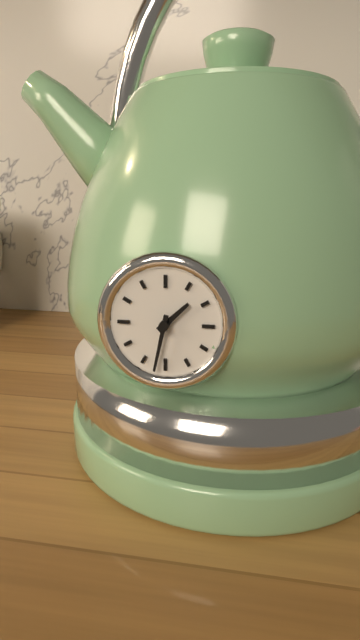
1:32
